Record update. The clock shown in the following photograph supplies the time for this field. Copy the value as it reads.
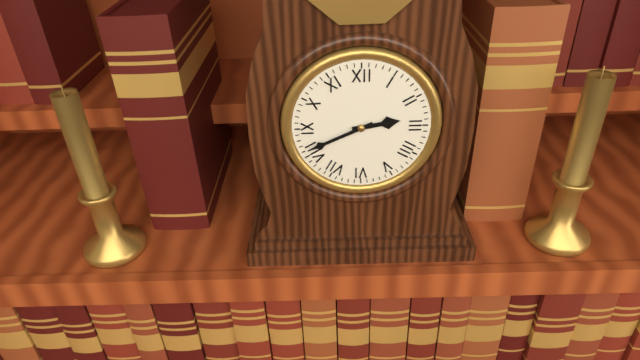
2:41
